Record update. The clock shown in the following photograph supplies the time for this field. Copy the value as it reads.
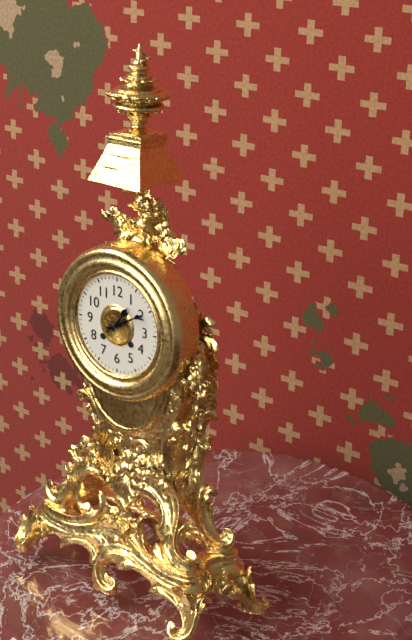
1:10
